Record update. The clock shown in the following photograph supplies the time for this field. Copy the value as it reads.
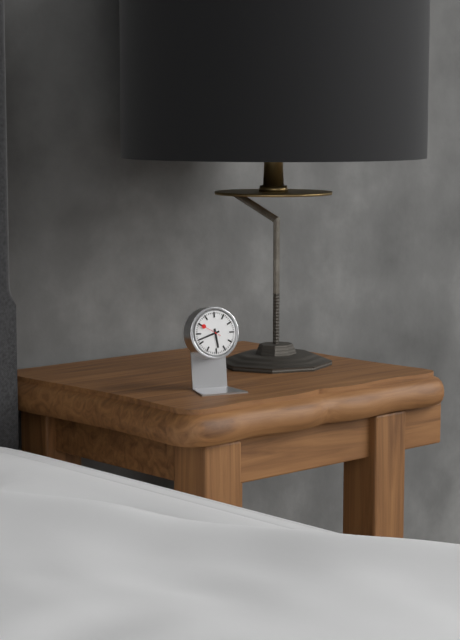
5:42
